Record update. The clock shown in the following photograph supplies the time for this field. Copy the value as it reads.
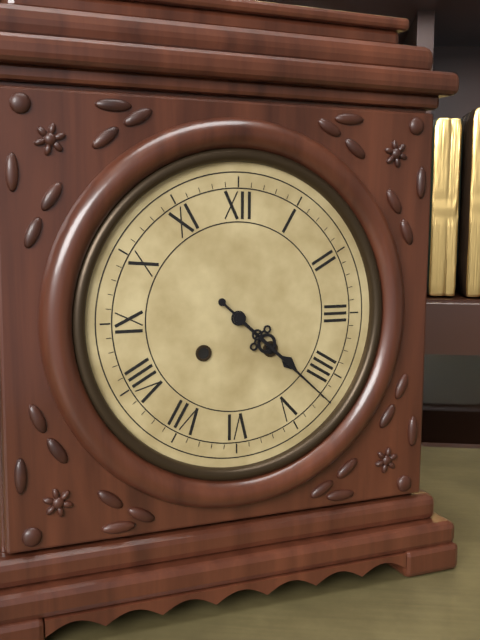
4:22
